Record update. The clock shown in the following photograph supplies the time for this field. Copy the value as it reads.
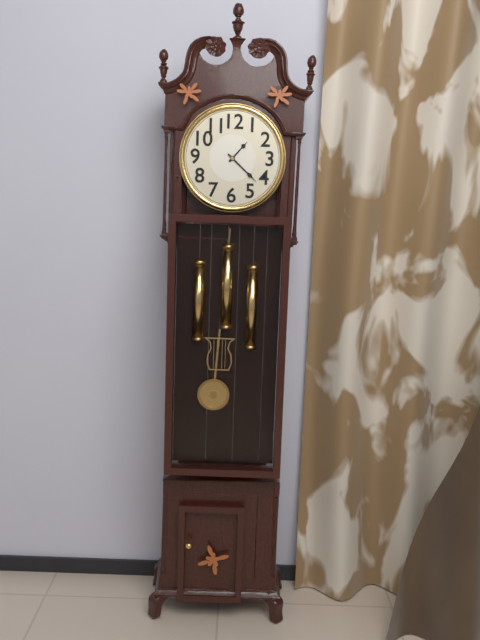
1:22
